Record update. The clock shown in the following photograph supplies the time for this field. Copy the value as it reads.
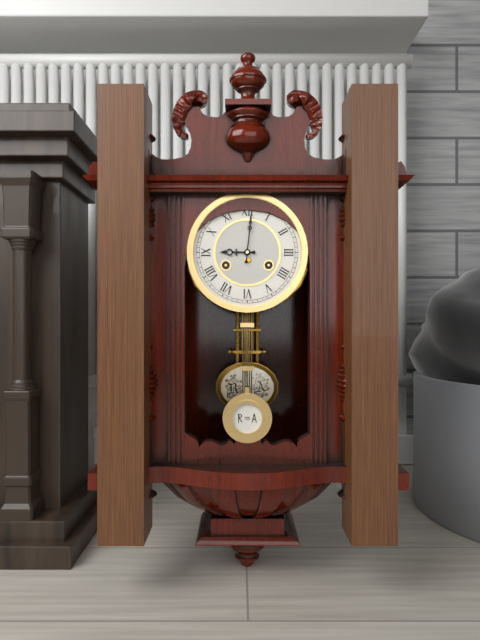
9:01
